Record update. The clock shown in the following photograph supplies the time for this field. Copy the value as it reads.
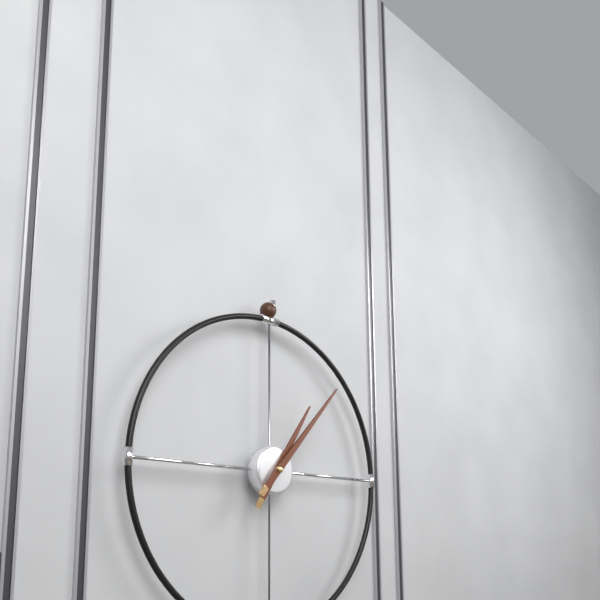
1:07
